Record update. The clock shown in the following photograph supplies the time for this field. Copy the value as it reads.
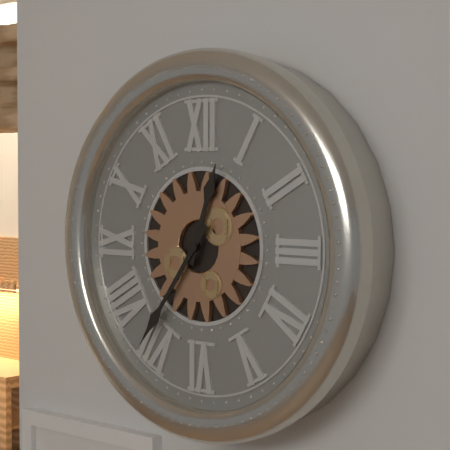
12:36
